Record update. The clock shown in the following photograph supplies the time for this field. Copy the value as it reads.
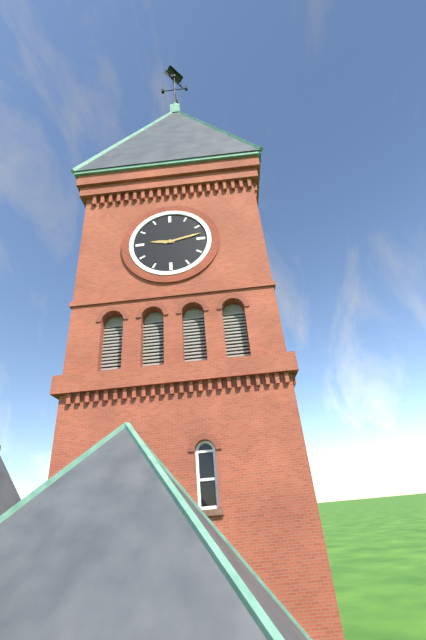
9:13
